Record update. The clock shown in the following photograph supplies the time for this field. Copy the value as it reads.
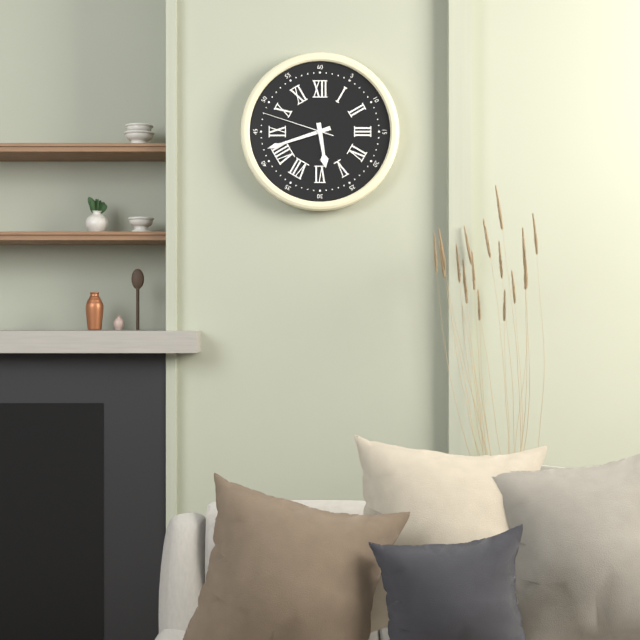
5:42:48
